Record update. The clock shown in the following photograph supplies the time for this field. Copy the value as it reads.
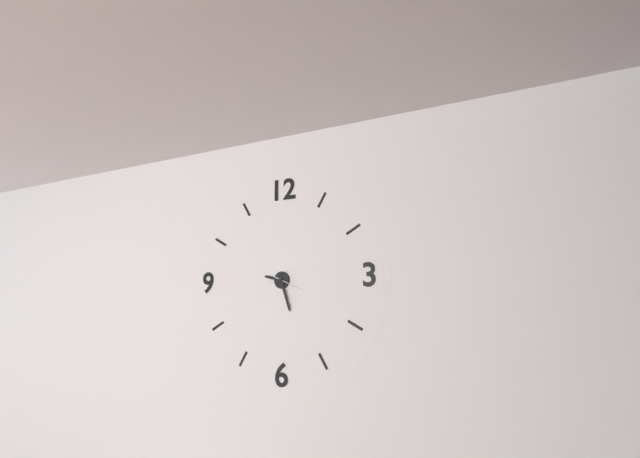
9:27
